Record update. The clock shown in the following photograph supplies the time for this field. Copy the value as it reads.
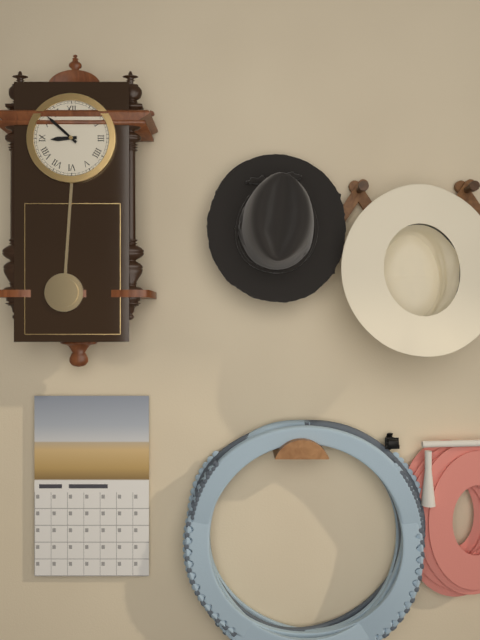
8:52
